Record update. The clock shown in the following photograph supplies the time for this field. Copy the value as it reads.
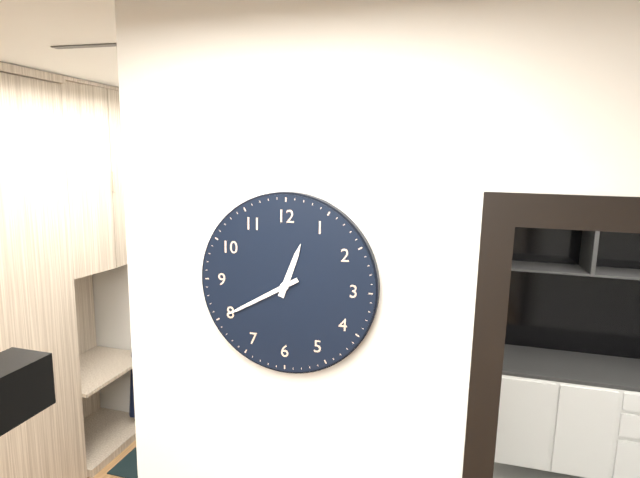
12:40
